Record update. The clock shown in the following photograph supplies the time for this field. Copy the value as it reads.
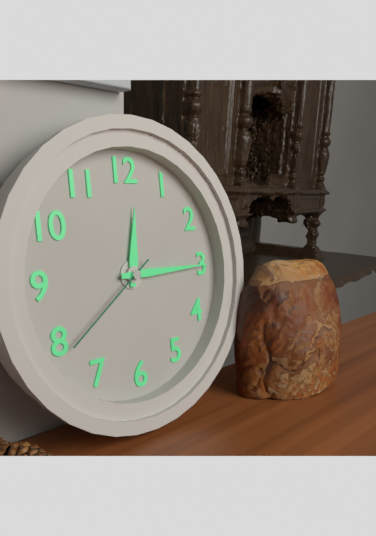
12:15:39
